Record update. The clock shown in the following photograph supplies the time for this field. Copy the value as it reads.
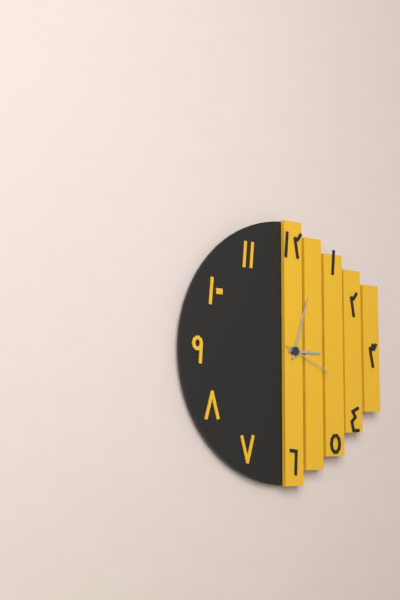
3:03:19
